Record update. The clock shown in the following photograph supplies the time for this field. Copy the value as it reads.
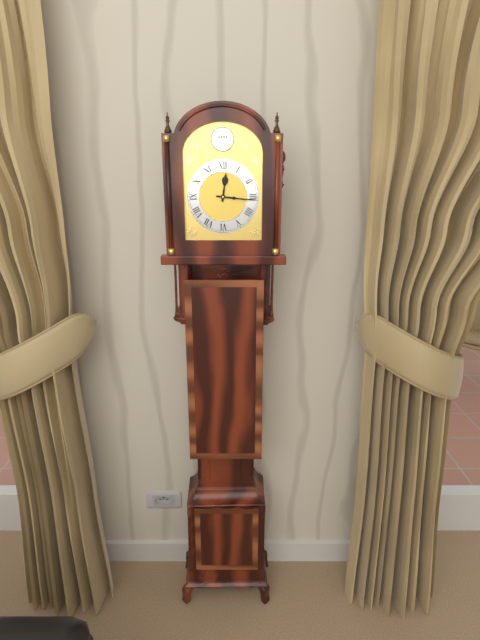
12:16
